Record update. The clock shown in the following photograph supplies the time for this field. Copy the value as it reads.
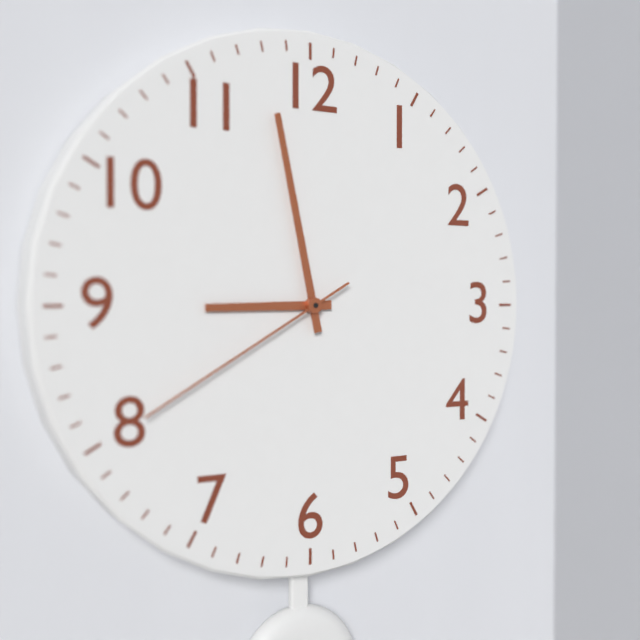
8:58:40
